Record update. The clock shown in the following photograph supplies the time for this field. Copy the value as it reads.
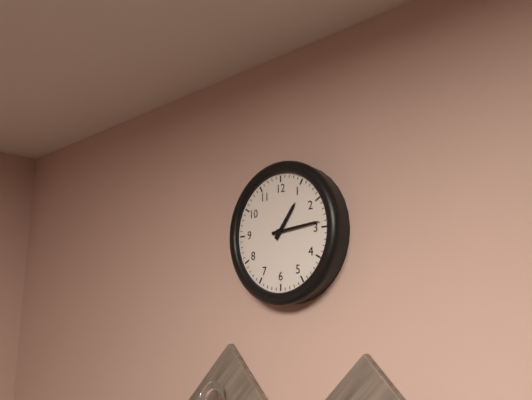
1:14
